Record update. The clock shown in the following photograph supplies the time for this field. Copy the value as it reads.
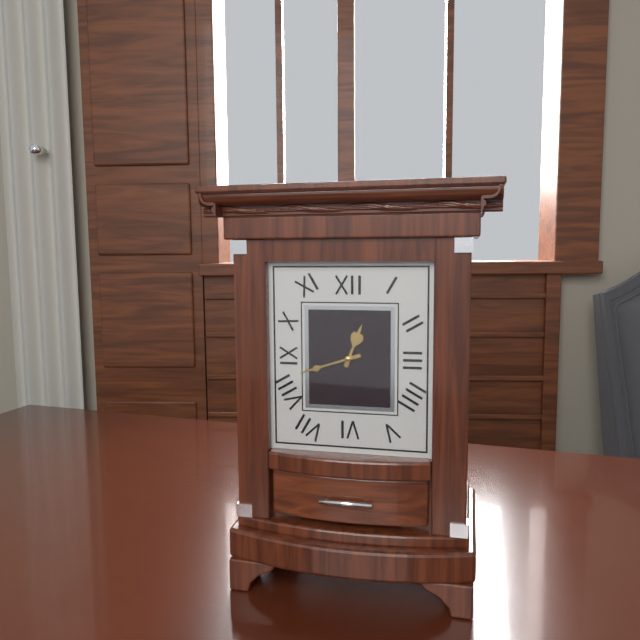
12:42
